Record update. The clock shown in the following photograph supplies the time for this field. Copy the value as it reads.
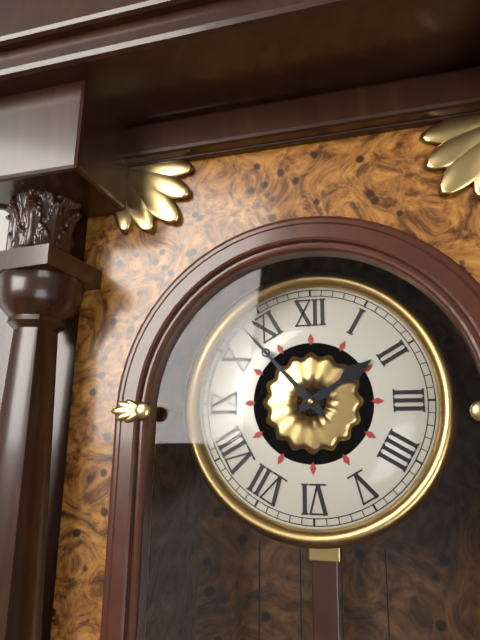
1:53
